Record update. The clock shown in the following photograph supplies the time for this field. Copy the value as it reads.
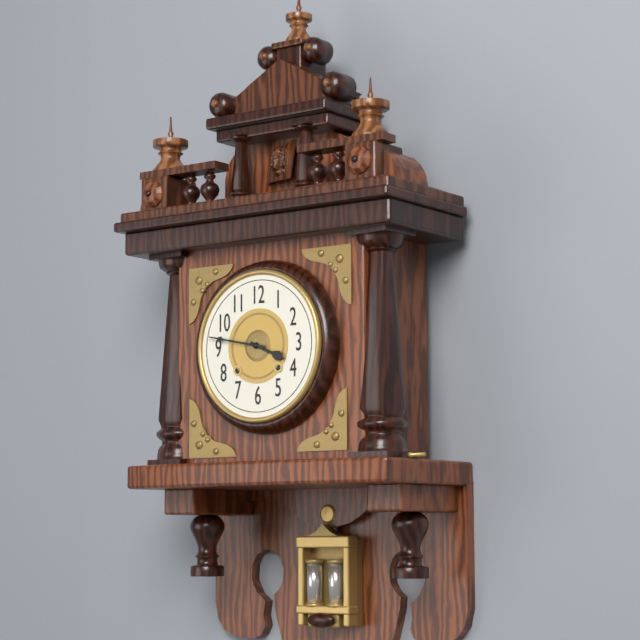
3:47
